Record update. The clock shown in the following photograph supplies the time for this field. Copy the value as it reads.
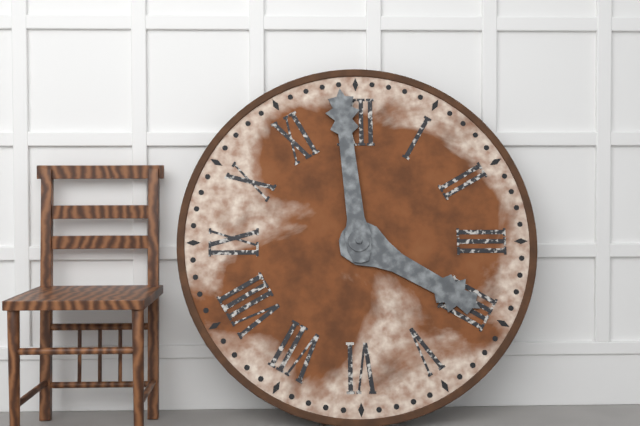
3:59
